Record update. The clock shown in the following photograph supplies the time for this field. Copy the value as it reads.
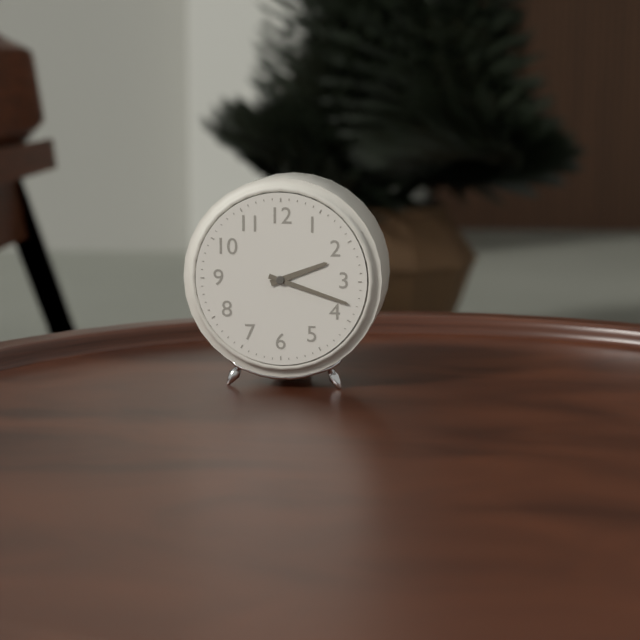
2:18
